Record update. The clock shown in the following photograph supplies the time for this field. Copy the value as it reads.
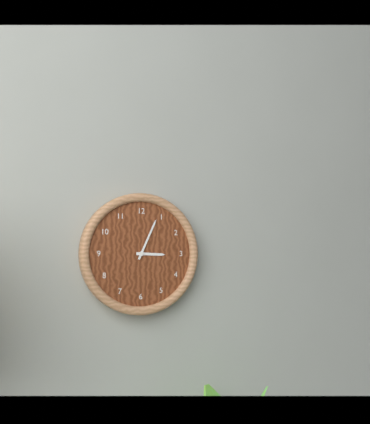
3:04
